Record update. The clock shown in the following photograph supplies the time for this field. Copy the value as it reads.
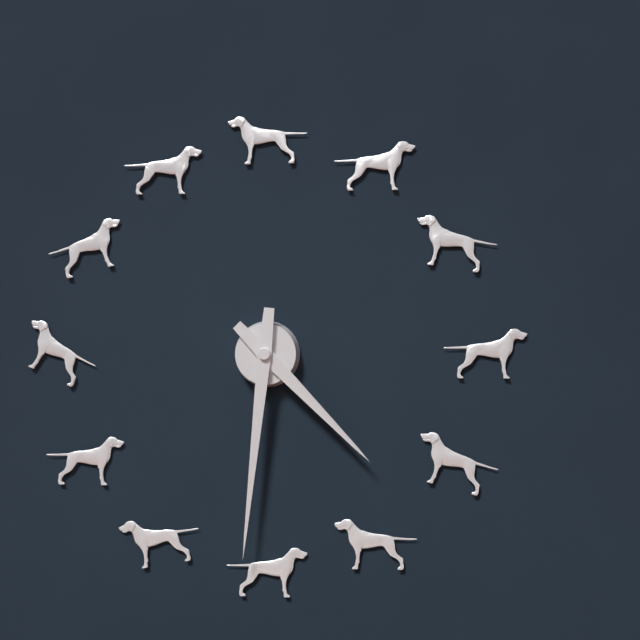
4:31
